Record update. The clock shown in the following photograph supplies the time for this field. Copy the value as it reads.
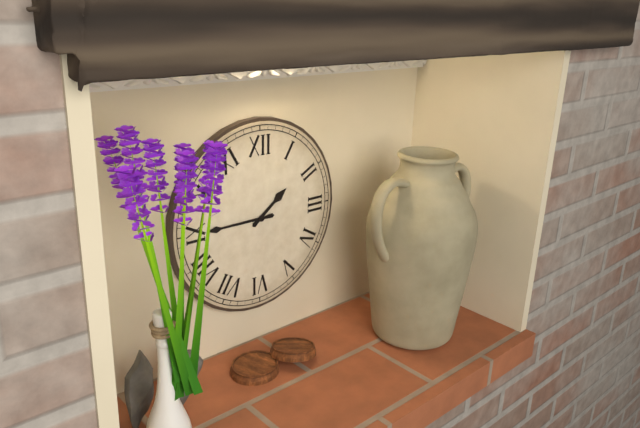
1:45
